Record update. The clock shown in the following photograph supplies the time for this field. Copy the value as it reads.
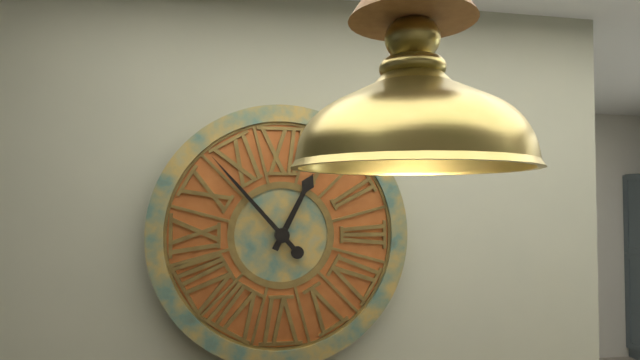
12:53
